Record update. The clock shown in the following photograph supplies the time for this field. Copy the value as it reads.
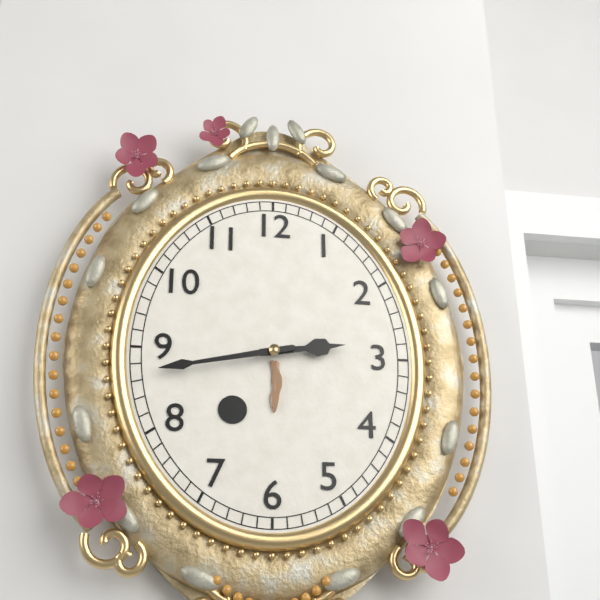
2:43
